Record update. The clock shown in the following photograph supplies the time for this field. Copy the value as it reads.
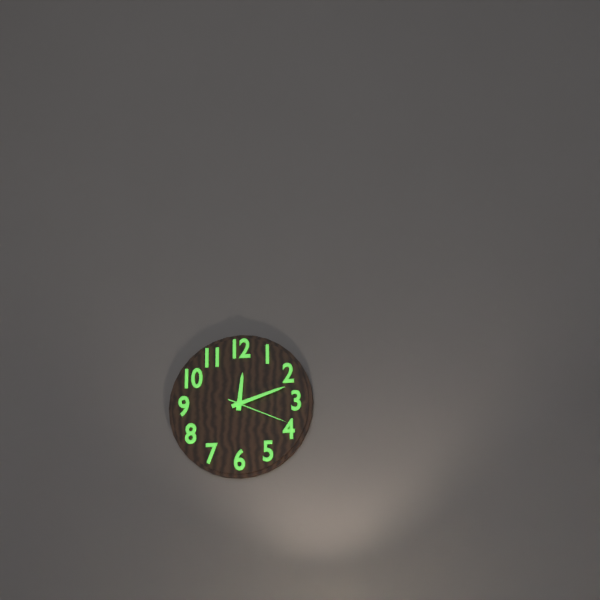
12:12:19
